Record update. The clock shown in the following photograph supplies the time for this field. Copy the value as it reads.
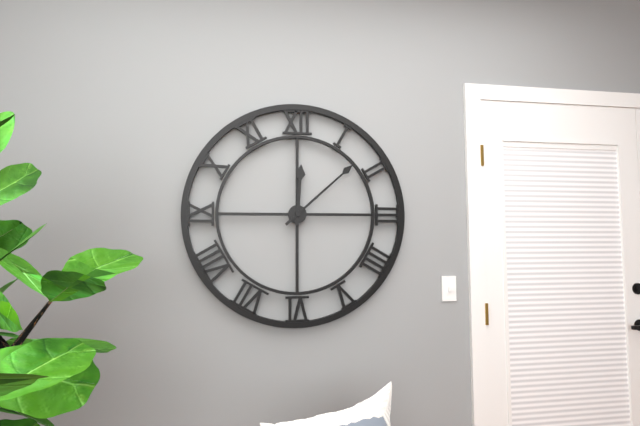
12:08
